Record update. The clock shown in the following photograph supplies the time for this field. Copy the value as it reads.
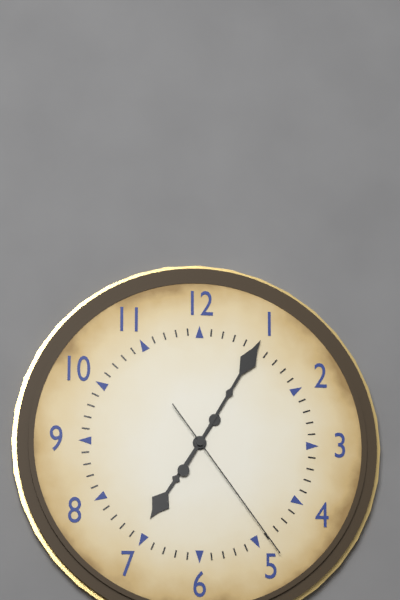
7:05:24
